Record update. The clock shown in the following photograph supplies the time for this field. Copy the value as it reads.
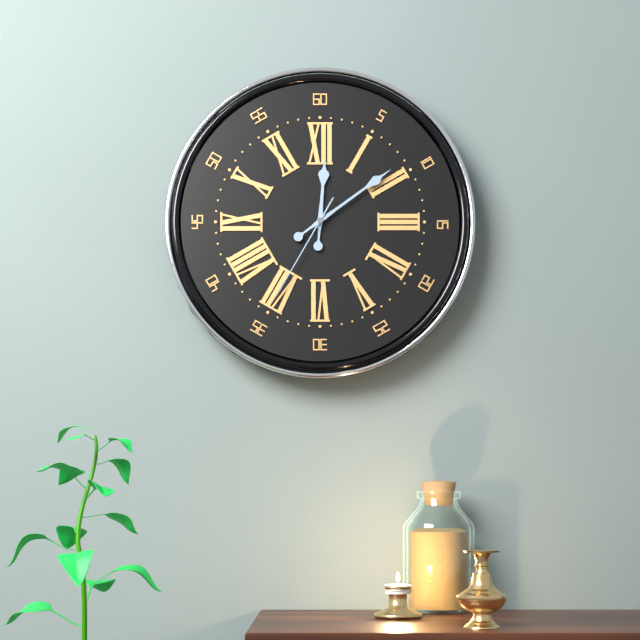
12:09:35
